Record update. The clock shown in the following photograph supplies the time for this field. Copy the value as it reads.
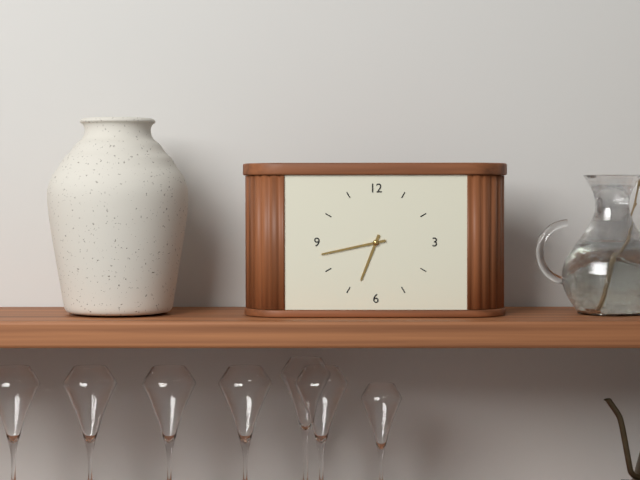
6:43
